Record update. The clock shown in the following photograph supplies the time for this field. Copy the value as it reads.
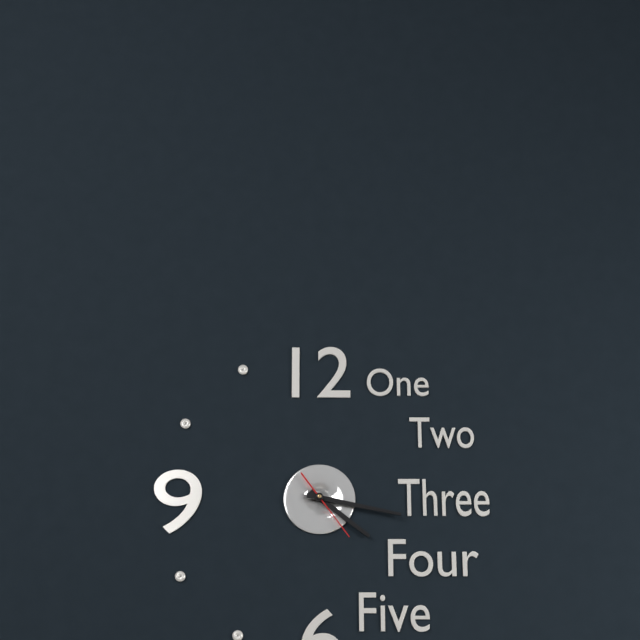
4:17:24
